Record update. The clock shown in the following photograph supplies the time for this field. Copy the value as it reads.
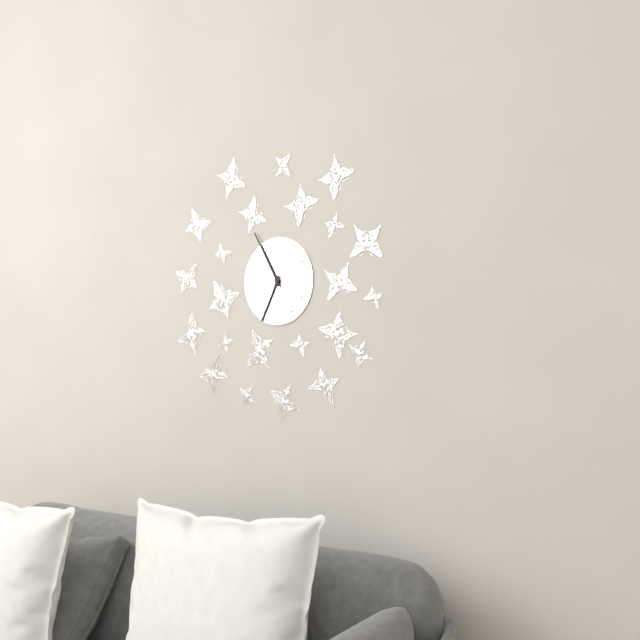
6:55
